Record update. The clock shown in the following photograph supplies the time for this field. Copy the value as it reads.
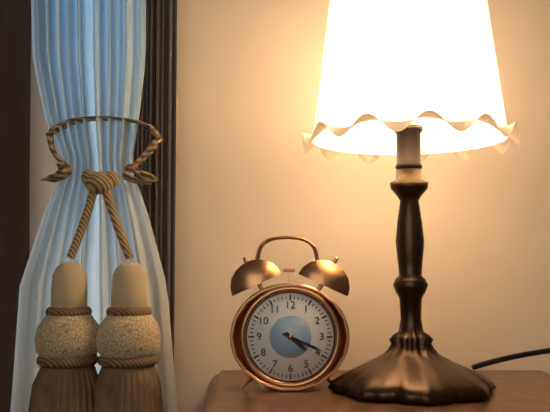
4:19
